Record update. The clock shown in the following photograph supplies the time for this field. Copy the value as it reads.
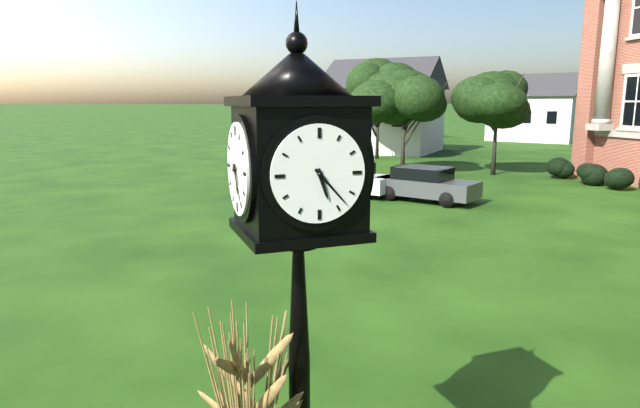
5:23
